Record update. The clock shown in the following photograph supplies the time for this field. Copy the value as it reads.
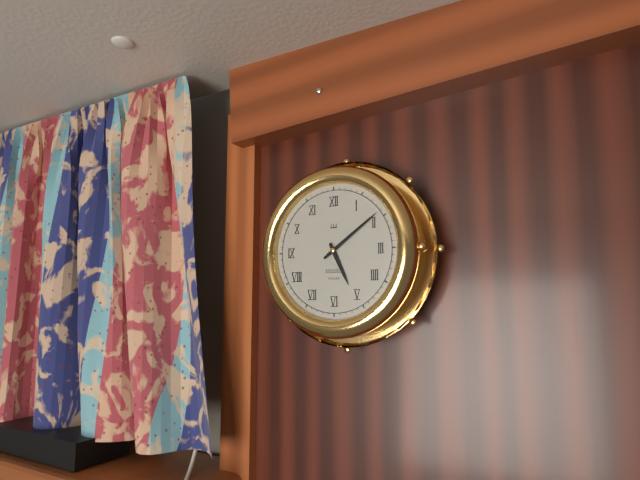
5:09
